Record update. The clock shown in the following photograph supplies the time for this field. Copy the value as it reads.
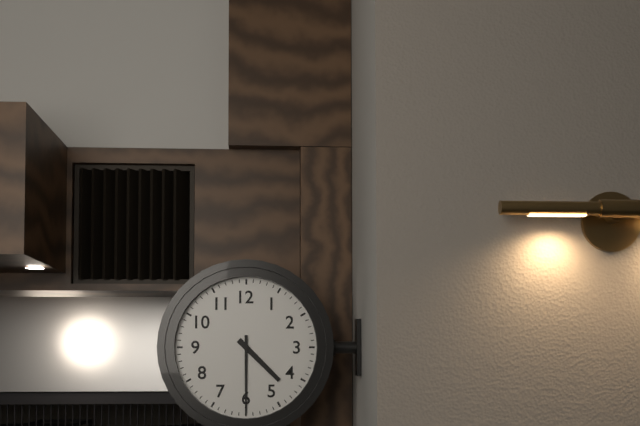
4:30
